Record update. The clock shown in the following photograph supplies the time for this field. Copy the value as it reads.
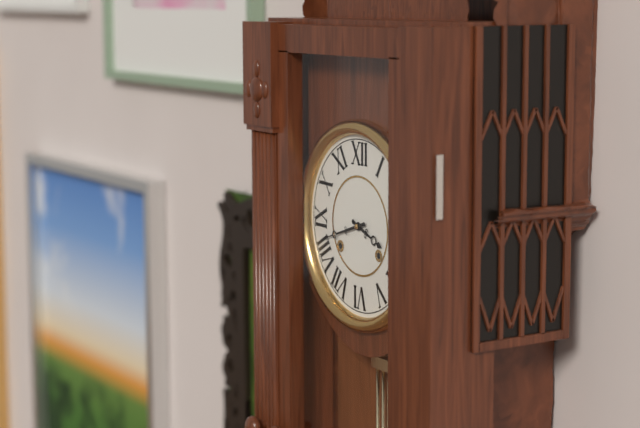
3:42
